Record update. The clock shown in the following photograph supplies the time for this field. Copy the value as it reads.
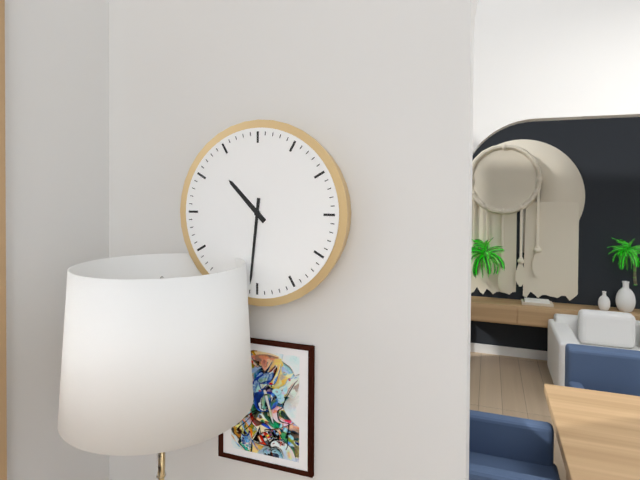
10:31
